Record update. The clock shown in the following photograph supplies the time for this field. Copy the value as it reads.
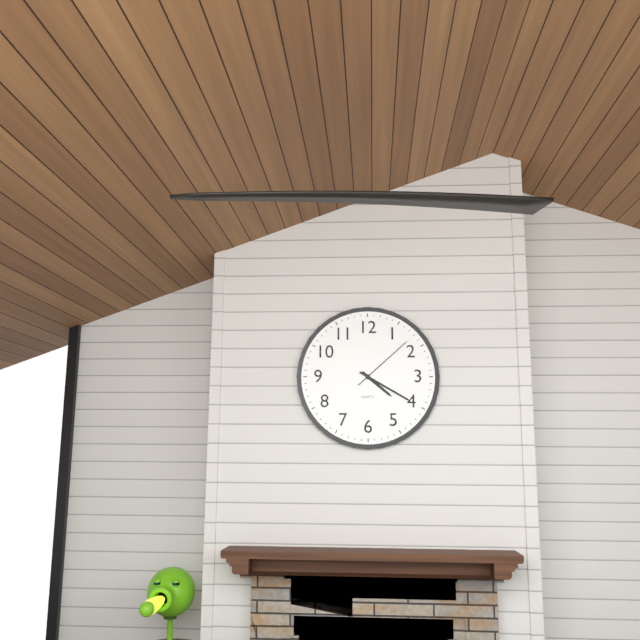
4:20:08
